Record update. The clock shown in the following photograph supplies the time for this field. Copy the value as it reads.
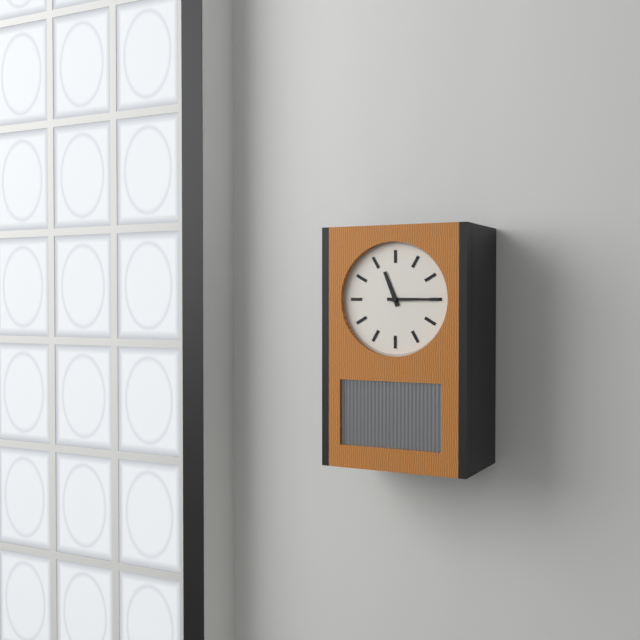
11:15
